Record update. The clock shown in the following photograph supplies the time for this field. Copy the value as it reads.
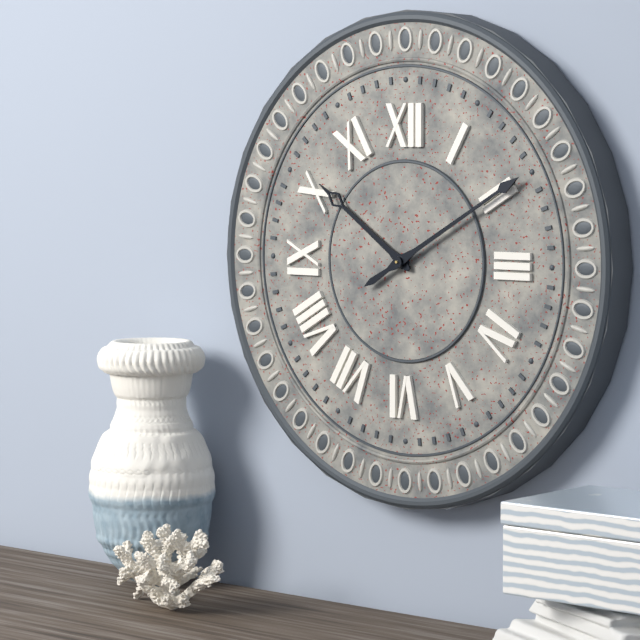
10:10
